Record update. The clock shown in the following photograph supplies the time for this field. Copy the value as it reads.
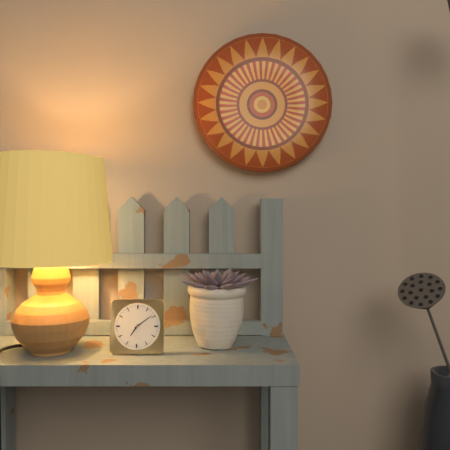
7:09
